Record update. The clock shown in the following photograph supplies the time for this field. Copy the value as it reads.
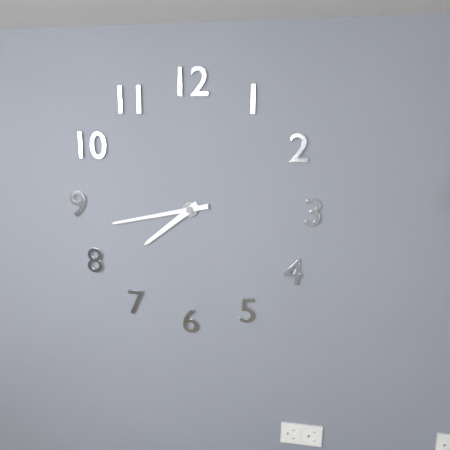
7:43
